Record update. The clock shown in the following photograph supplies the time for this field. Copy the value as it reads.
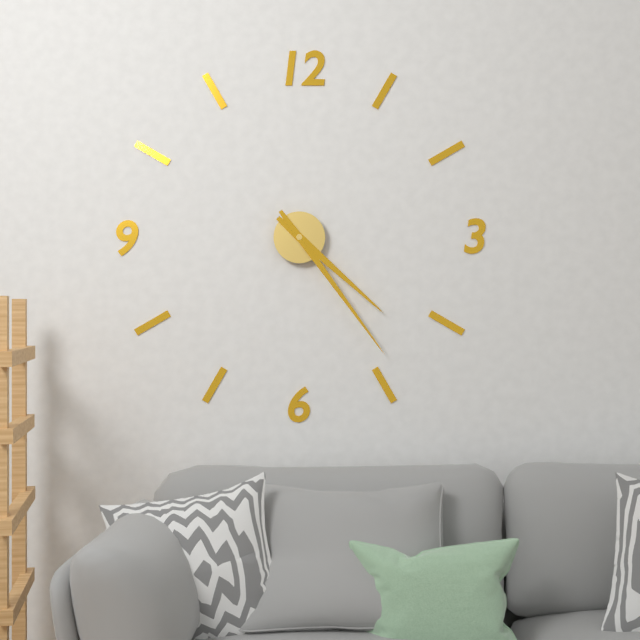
4:24
